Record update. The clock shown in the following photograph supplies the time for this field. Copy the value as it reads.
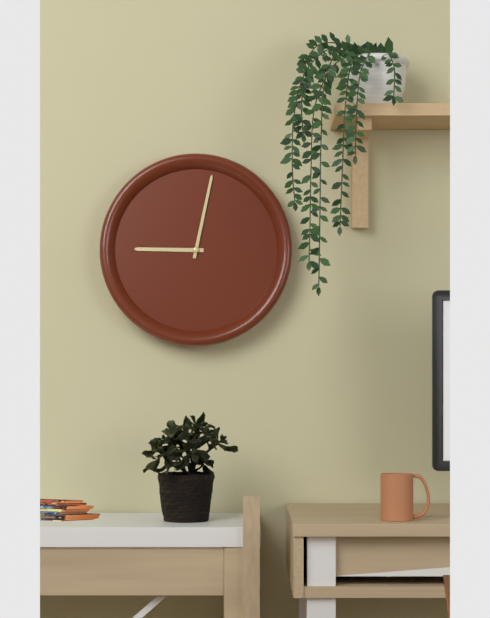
9:02
